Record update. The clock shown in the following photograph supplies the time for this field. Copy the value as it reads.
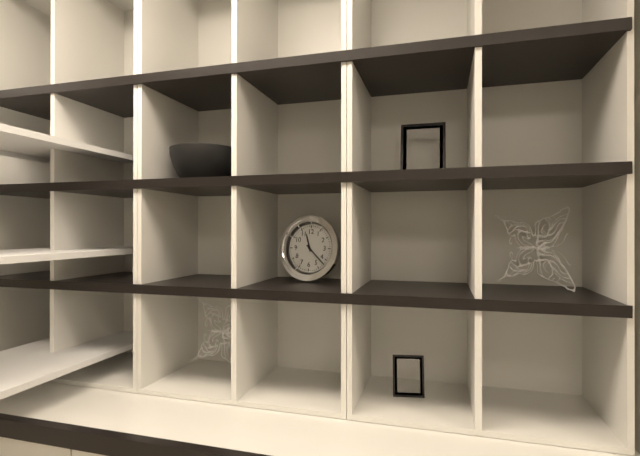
11:22
